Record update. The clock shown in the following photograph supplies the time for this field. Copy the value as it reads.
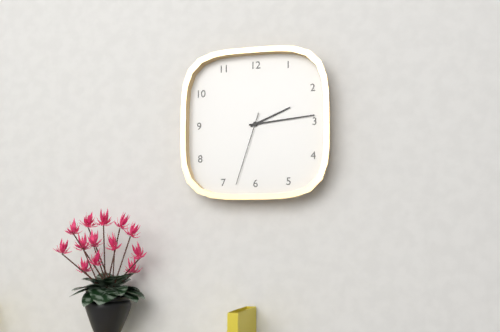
2:14:33
